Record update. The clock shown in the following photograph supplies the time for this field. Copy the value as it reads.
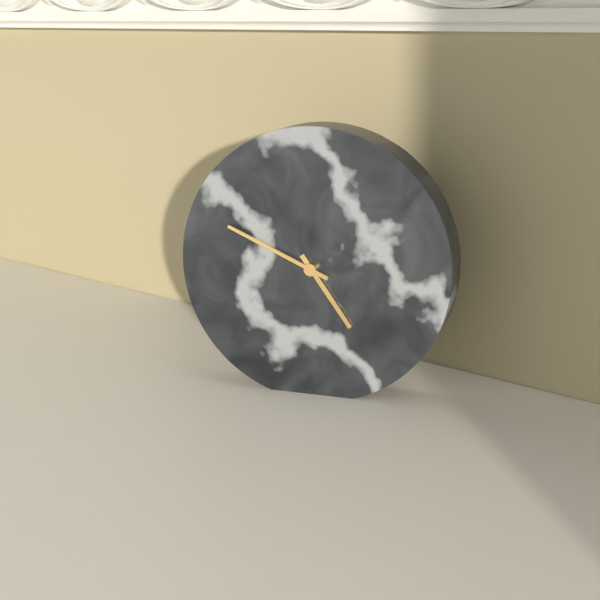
4:49
